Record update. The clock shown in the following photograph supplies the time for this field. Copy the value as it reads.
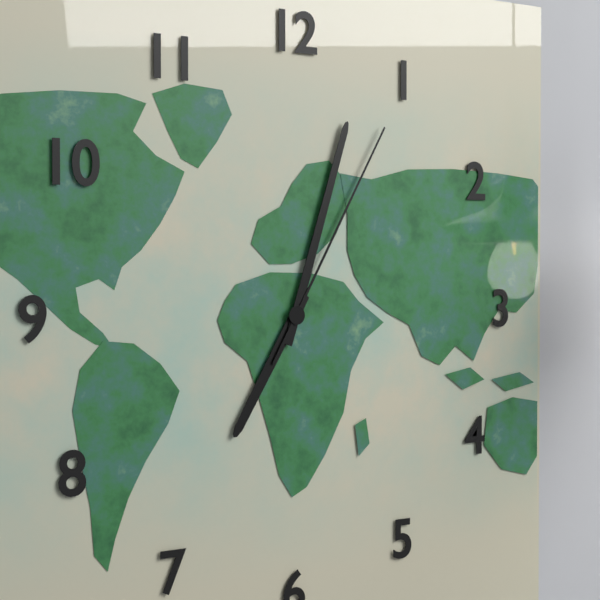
7:03:05
